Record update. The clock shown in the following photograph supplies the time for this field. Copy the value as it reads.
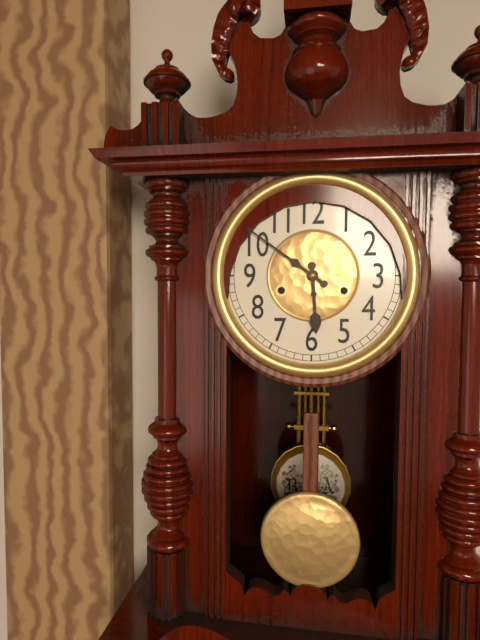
5:51
